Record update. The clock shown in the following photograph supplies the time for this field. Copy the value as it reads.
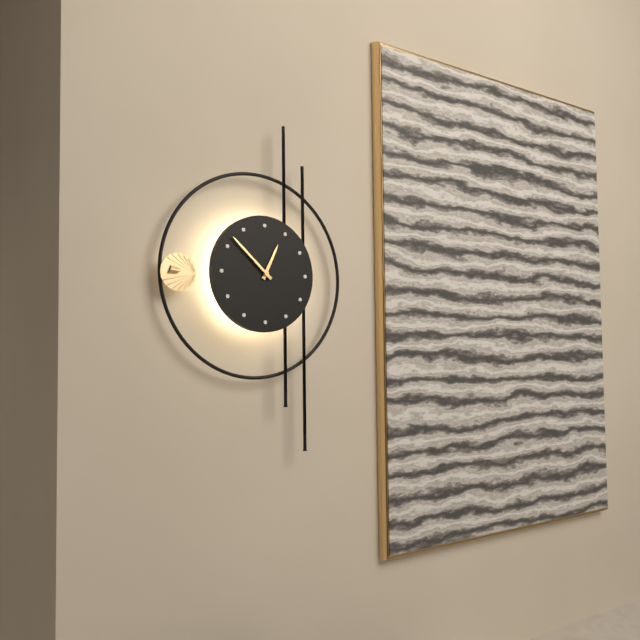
12:52
